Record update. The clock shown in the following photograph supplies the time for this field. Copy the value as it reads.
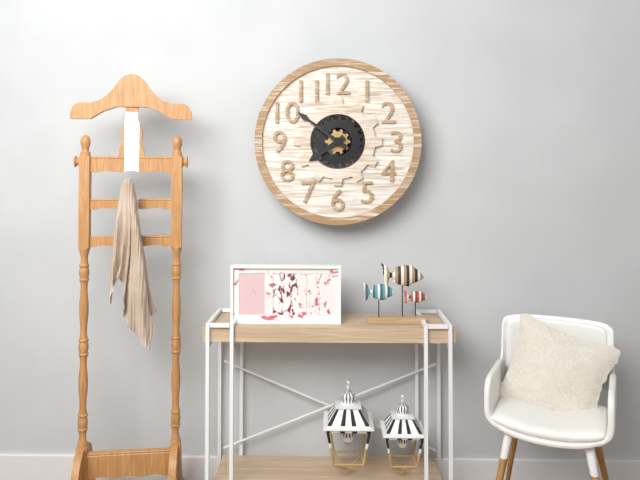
7:51
